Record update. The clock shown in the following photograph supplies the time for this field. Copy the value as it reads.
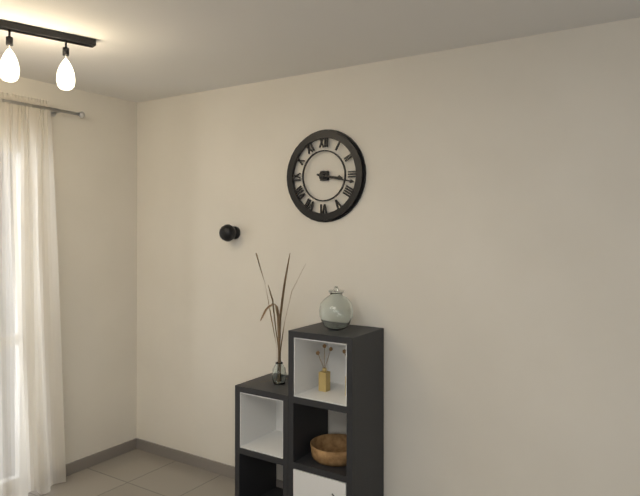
3:17
